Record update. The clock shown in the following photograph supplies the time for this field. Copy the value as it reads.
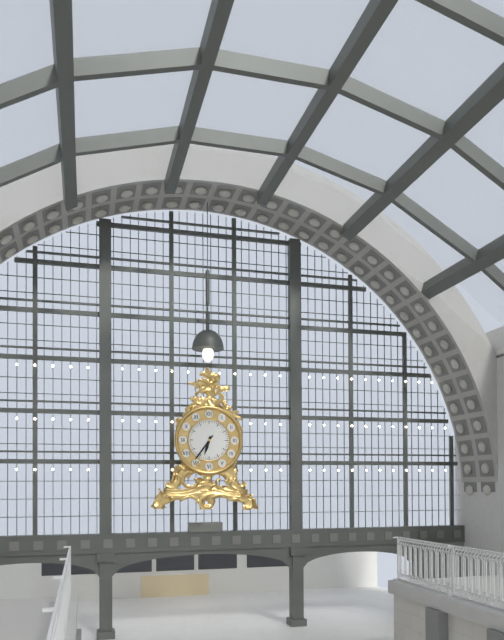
6:36
